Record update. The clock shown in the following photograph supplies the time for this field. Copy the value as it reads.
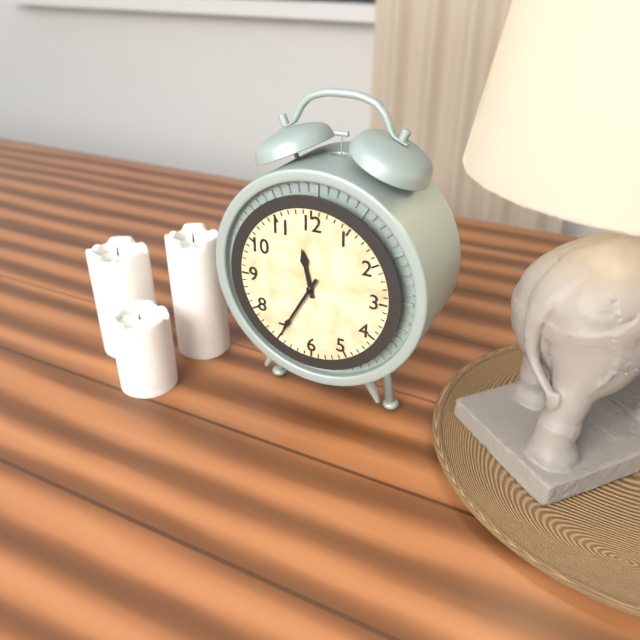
11:35
